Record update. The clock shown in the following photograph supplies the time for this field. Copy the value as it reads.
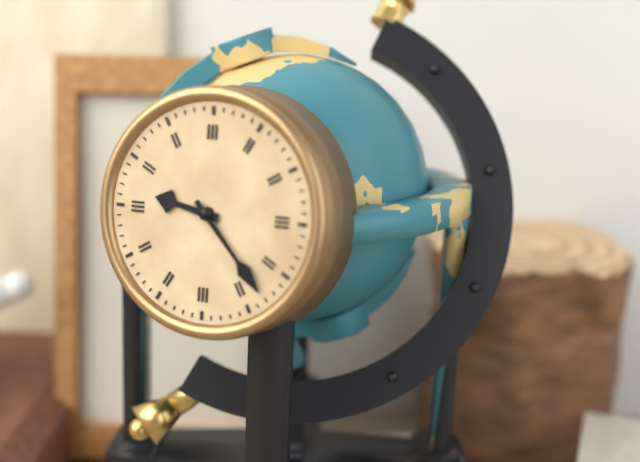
9:23
